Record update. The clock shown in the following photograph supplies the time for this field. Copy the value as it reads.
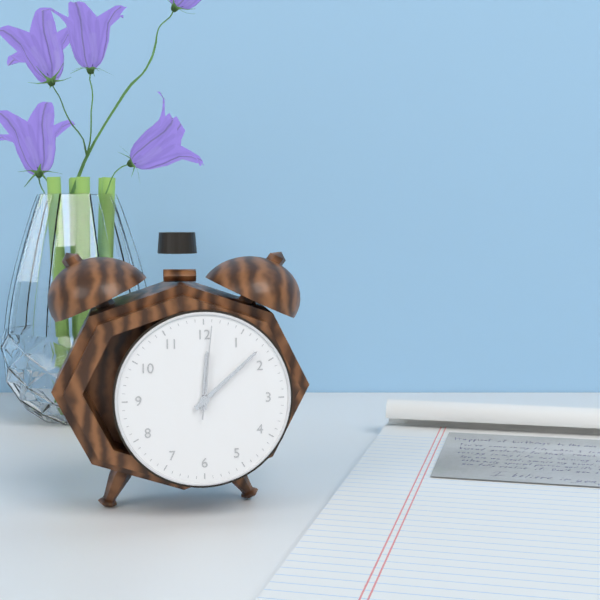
12:08:01
